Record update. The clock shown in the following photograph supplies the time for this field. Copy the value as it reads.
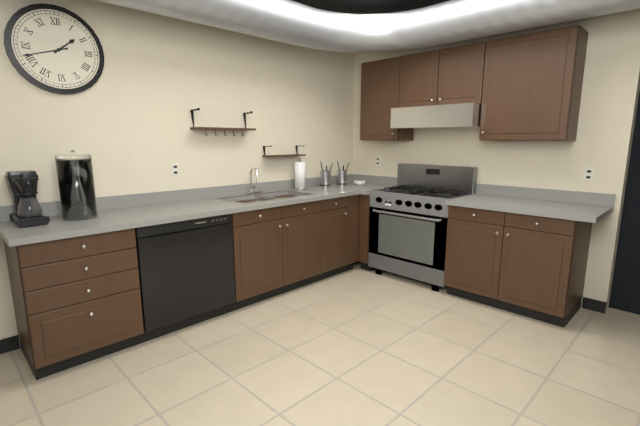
1:42
